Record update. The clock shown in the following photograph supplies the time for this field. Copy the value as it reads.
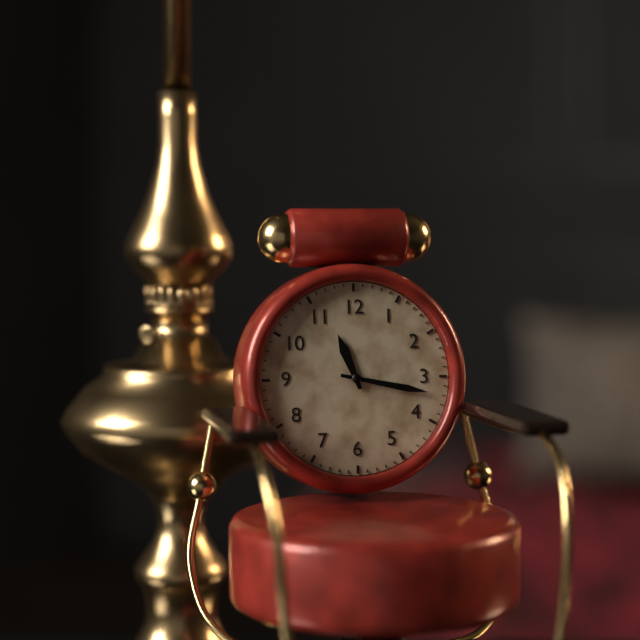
11:17
